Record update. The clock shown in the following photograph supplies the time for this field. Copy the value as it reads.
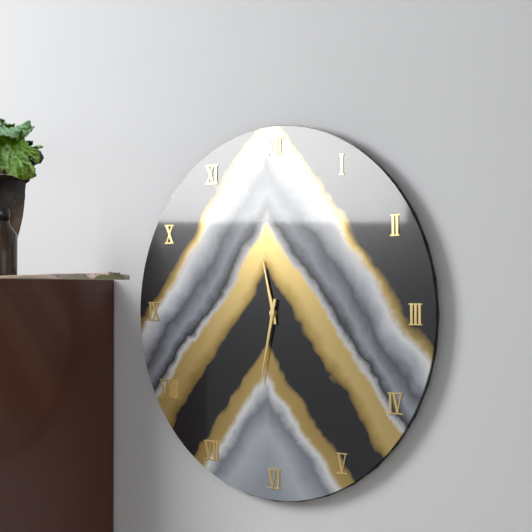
11:32
